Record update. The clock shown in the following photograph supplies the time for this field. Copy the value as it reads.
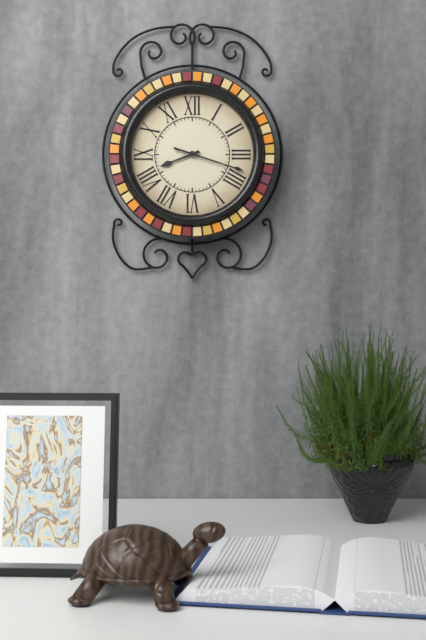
8:18
